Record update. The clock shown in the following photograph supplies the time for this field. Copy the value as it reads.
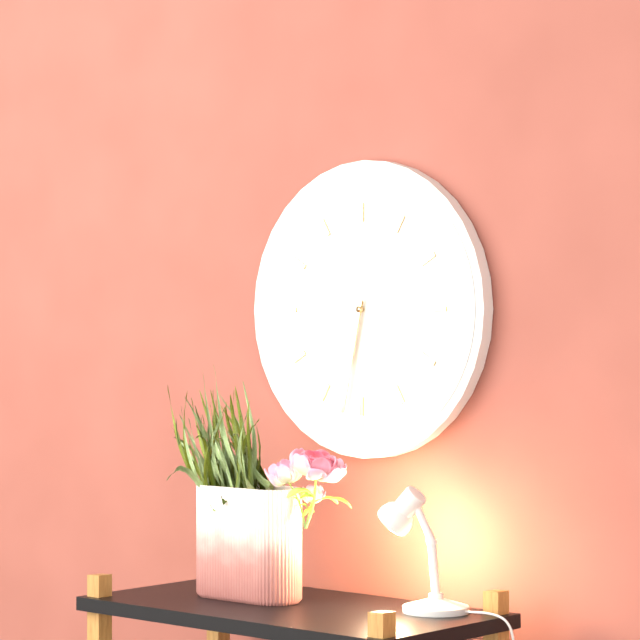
6:32
